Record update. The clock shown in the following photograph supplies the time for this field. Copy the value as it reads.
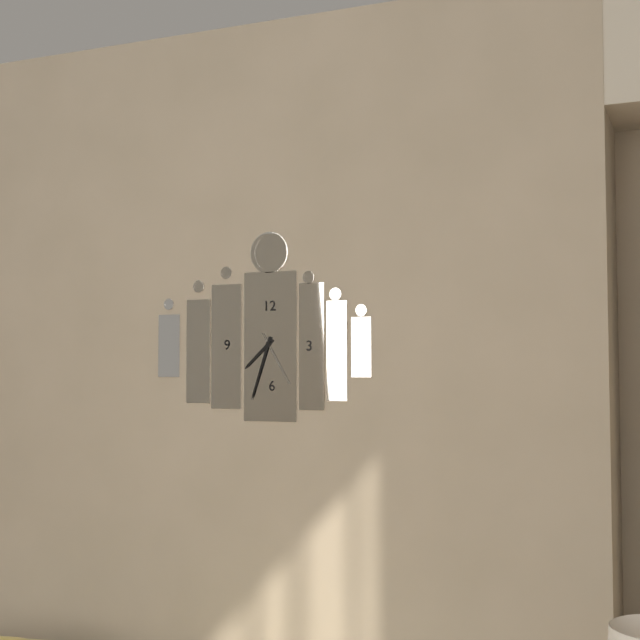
7:33:25
